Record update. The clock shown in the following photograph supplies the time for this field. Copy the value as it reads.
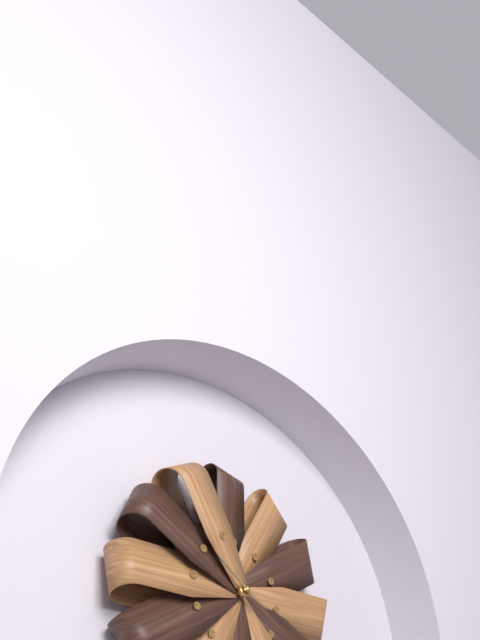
3:51
